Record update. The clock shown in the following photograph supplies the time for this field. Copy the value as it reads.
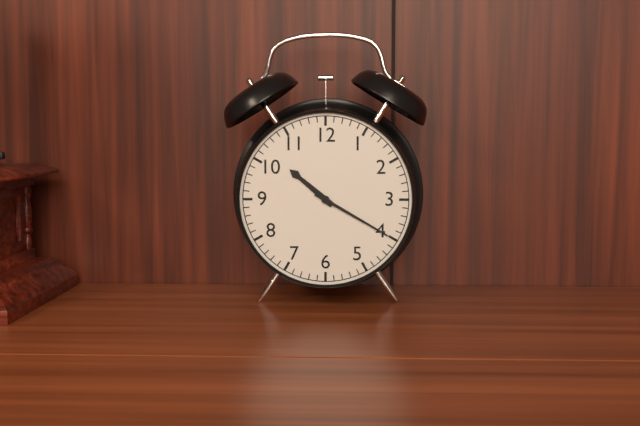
10:20
